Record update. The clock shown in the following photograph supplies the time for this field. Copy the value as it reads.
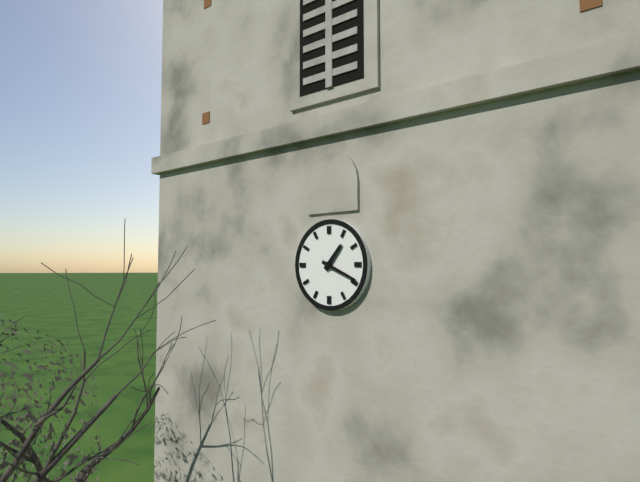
1:19
